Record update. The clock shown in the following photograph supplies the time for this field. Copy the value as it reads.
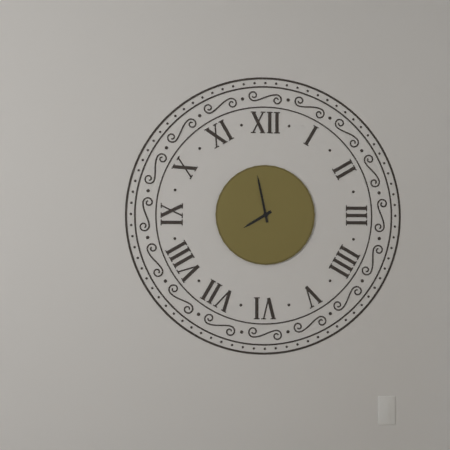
7:58
